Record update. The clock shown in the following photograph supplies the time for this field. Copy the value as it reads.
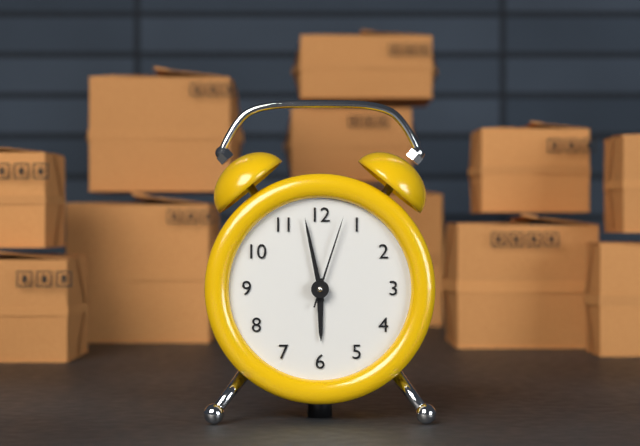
5:58:03
